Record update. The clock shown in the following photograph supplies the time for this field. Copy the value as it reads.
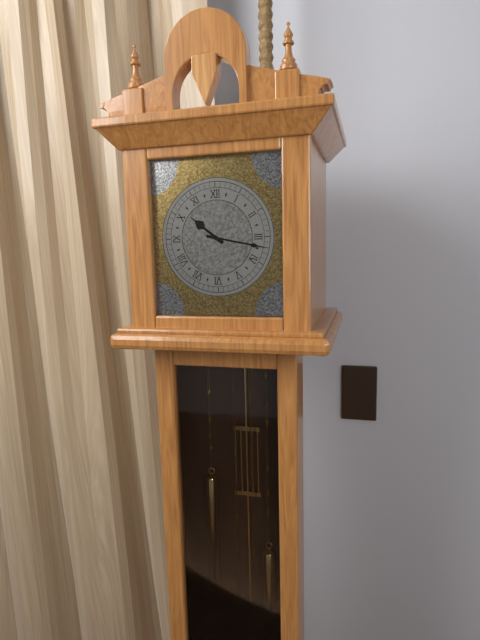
10:17
